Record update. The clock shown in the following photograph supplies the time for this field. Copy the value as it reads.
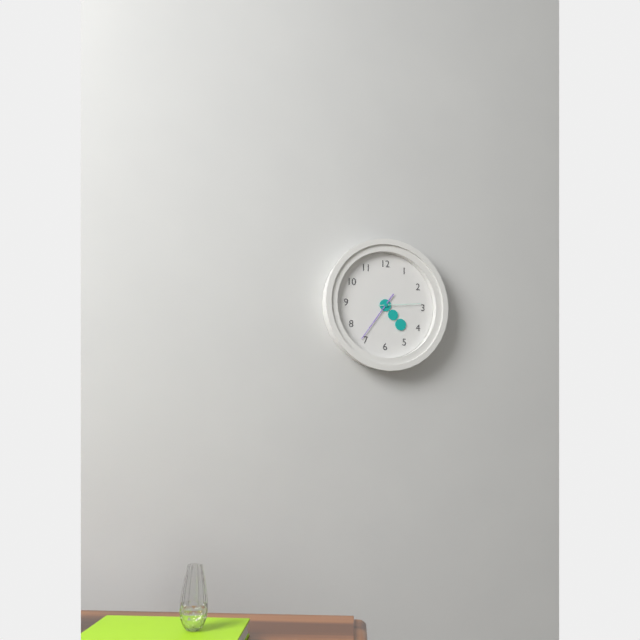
4:36
